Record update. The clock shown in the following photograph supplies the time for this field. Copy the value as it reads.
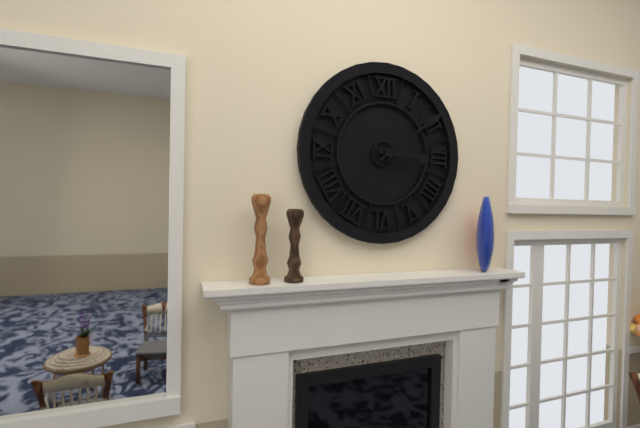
3:09
